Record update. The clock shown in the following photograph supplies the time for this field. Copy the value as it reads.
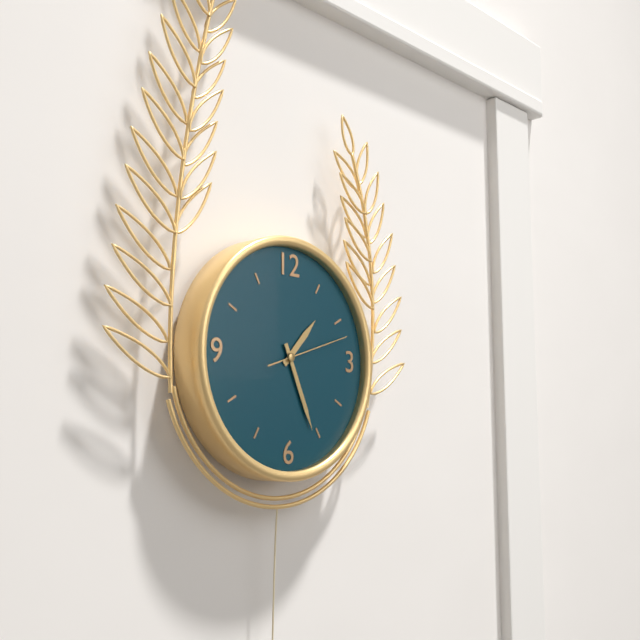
1:26:12
